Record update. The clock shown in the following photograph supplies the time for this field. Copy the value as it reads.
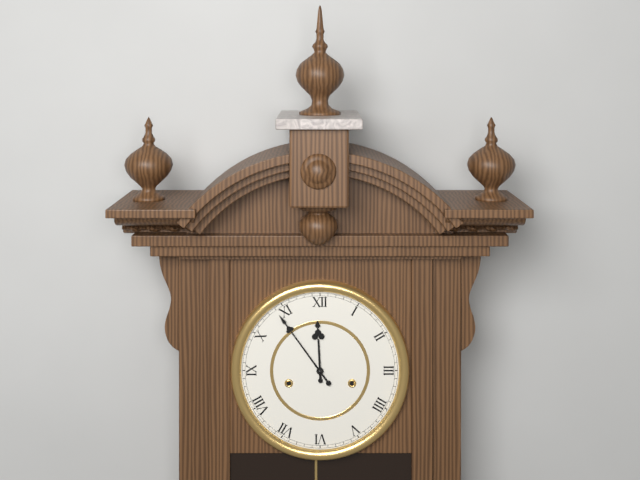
11:54
